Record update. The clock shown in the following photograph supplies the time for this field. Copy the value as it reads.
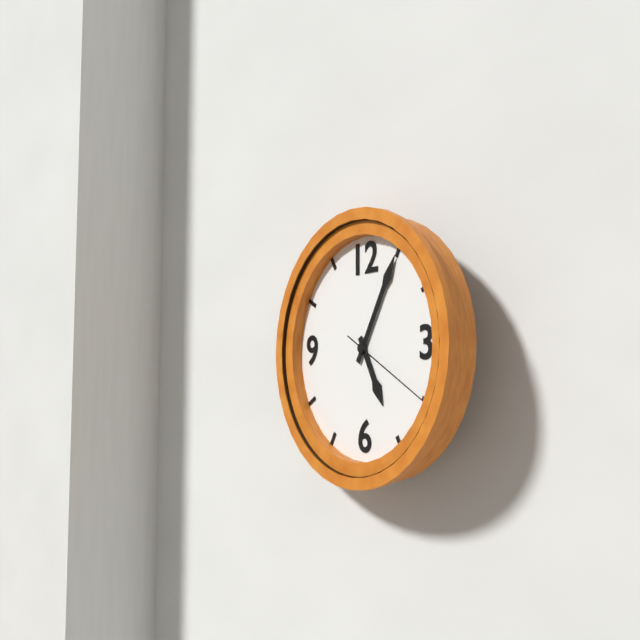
5:05:20
